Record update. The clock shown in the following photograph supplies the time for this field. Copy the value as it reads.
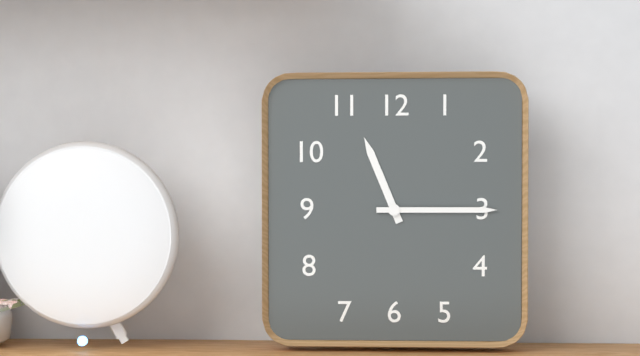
11:15
